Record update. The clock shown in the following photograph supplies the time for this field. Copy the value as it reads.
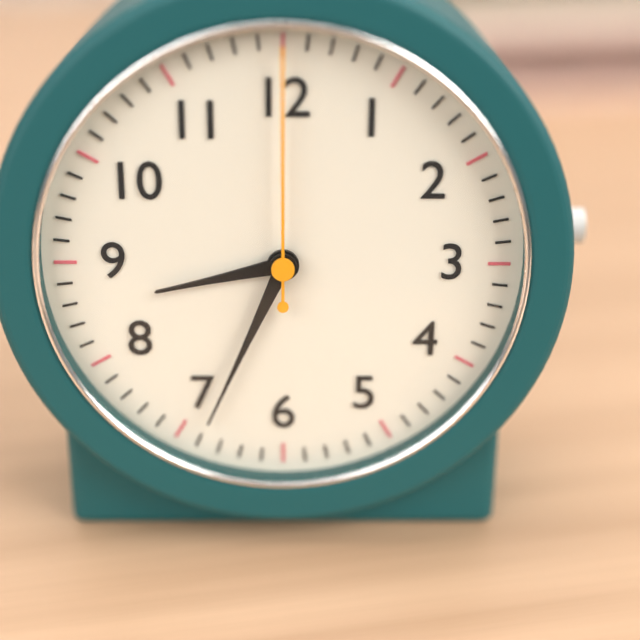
8:34:00
